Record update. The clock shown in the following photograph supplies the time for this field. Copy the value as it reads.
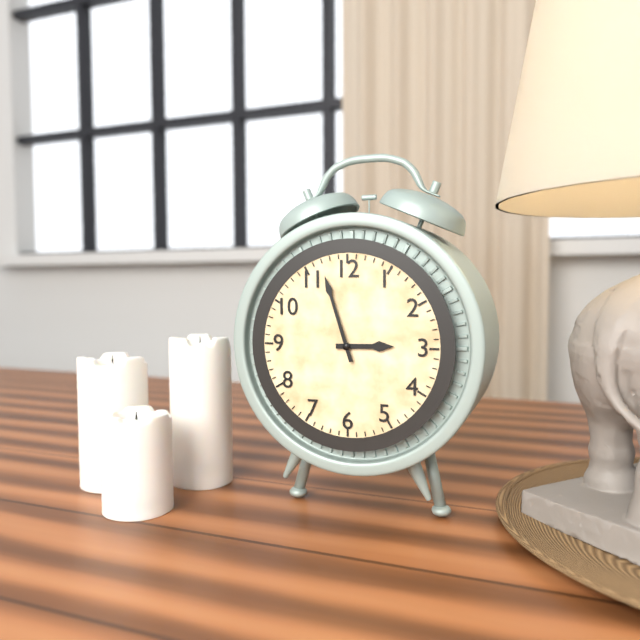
2:57
